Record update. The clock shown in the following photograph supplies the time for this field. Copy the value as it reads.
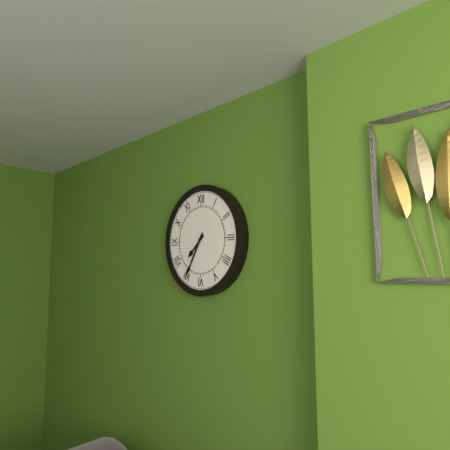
7:35
